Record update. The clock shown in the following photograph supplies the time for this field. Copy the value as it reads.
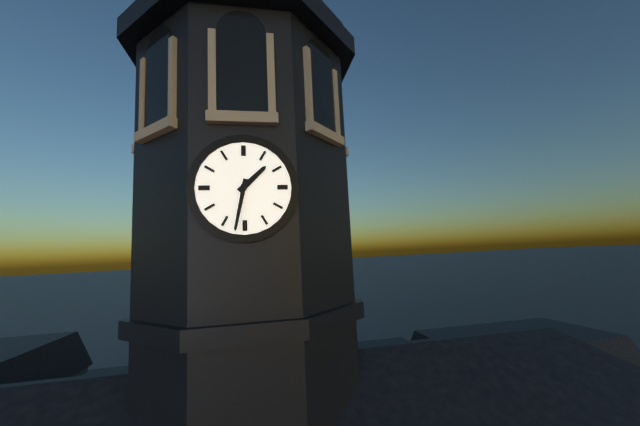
1:32
